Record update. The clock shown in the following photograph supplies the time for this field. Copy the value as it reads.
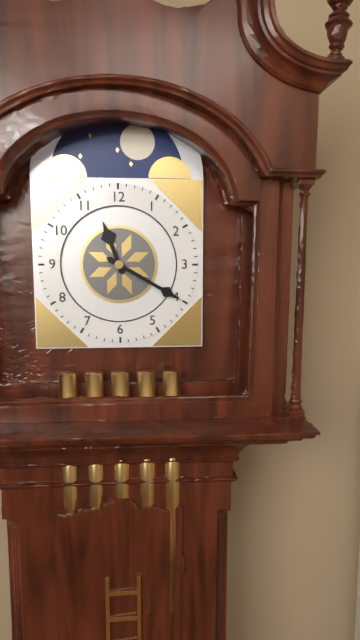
11:20
